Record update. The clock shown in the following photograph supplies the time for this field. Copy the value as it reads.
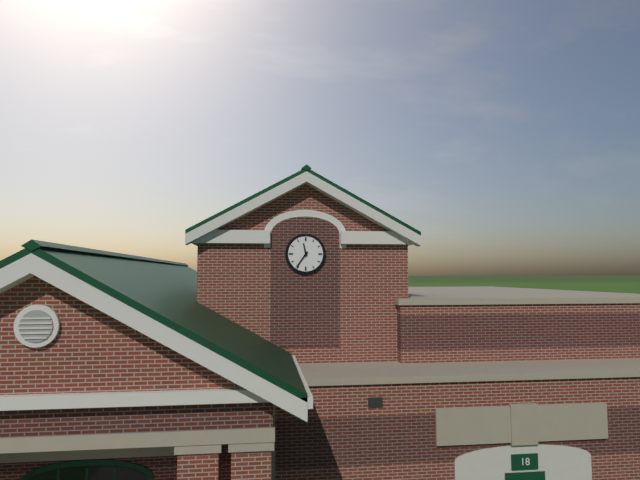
11:36
